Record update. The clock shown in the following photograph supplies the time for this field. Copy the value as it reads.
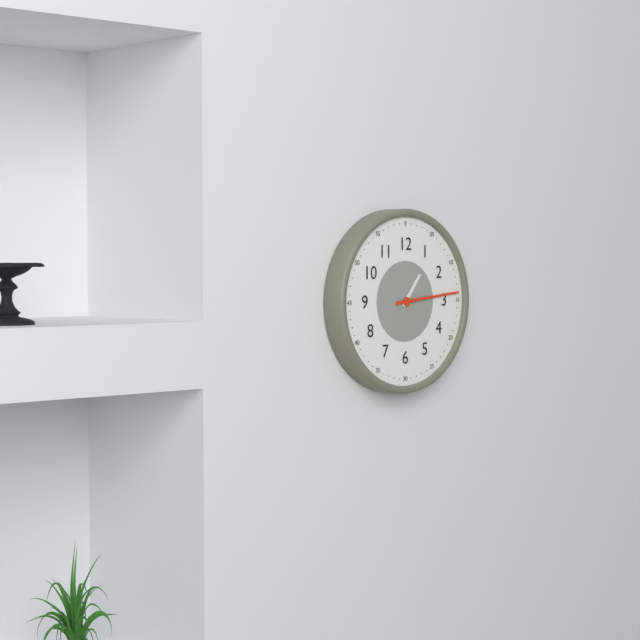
1:14
